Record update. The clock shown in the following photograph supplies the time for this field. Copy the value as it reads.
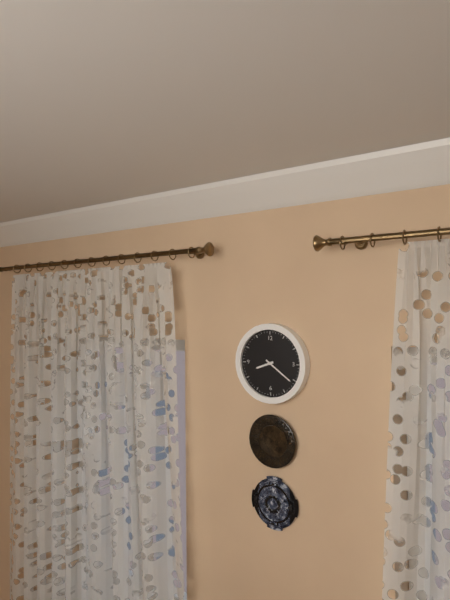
8:21
